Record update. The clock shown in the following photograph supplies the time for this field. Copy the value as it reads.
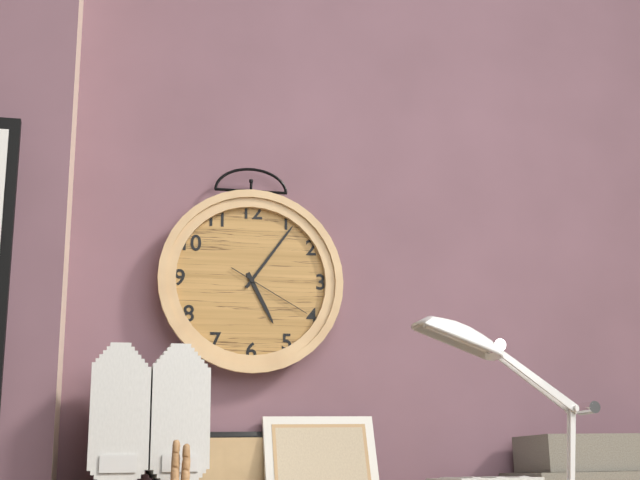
5:06:20
